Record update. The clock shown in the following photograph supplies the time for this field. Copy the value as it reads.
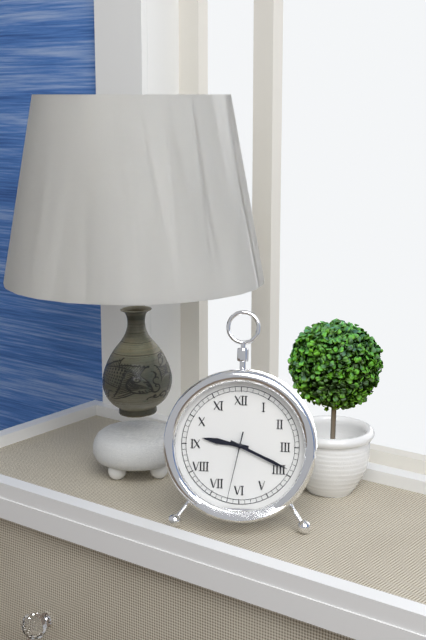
9:19:32
